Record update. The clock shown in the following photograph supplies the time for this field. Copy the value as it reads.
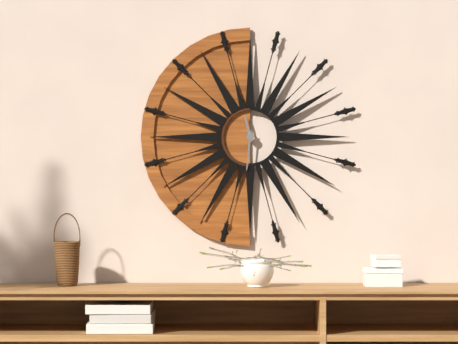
11:31
